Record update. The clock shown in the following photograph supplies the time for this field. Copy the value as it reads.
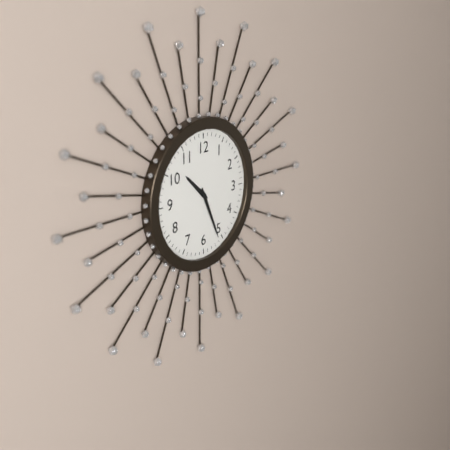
10:26
